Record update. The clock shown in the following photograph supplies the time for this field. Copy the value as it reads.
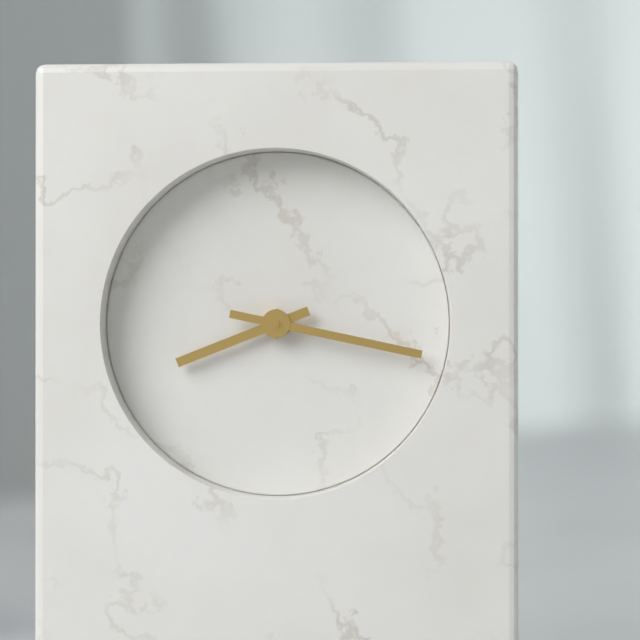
8:17
